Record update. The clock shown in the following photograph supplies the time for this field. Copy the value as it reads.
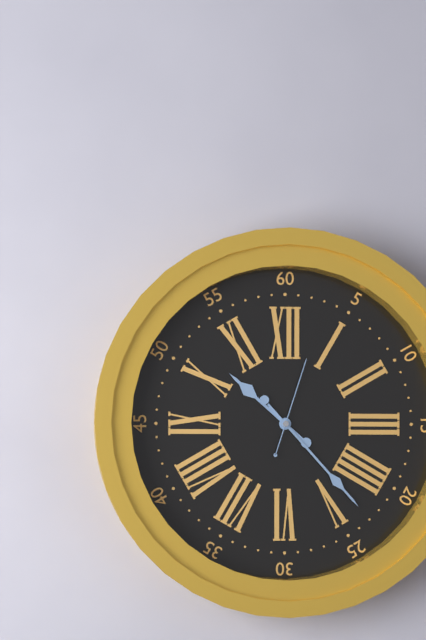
10:23:03
